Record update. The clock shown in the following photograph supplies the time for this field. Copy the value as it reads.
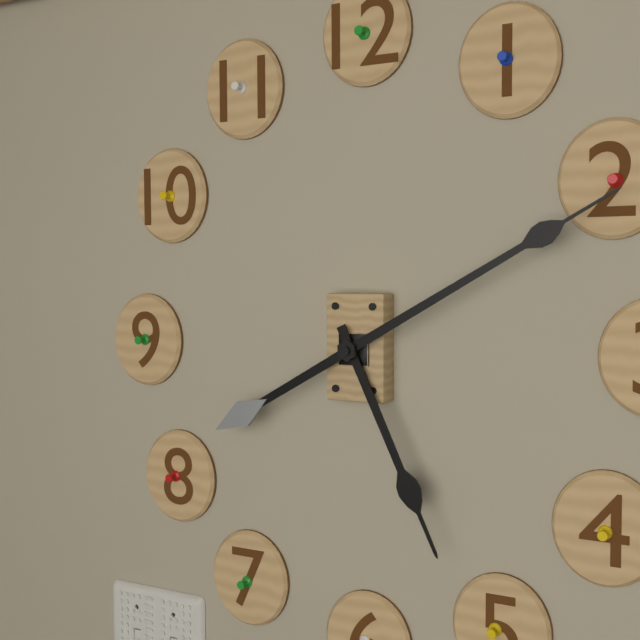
5:10
